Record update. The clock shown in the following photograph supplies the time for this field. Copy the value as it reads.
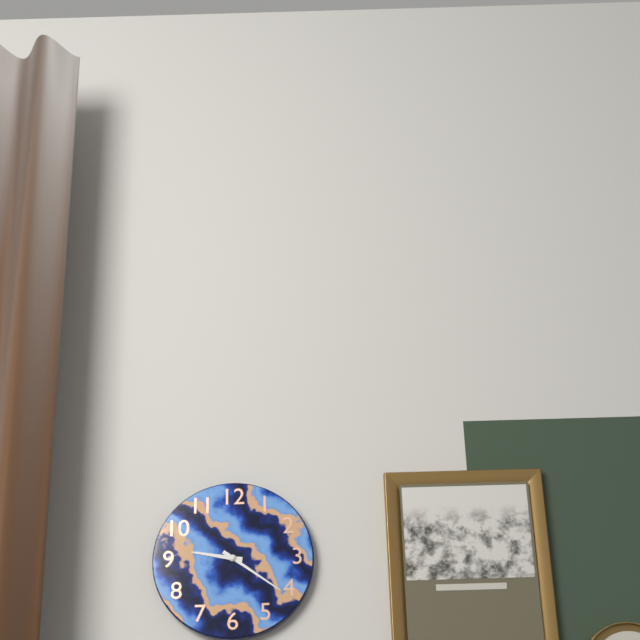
9:21
